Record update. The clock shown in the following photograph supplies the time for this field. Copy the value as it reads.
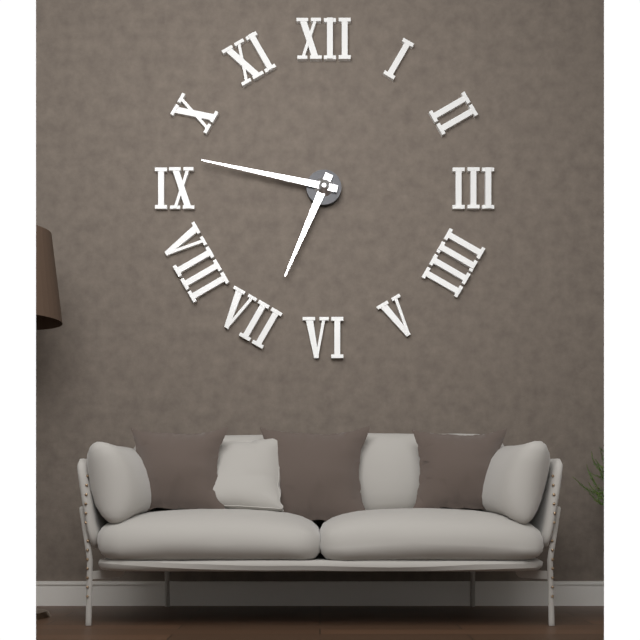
6:47
